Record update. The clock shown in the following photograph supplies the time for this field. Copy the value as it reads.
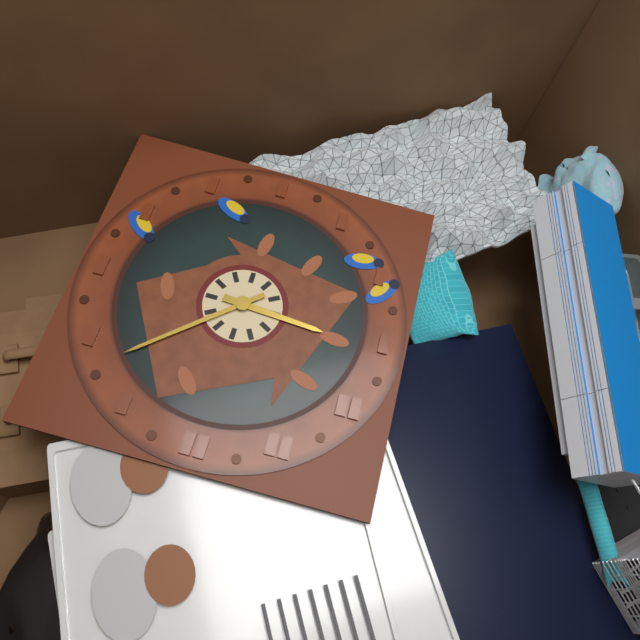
9:08
